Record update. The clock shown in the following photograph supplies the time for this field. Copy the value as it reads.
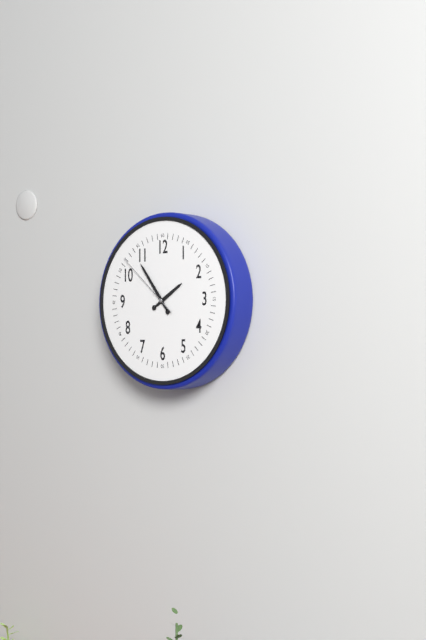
1:54:52
